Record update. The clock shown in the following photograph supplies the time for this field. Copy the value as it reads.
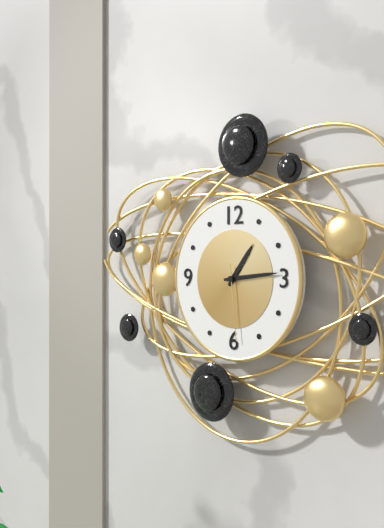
1:14:29
